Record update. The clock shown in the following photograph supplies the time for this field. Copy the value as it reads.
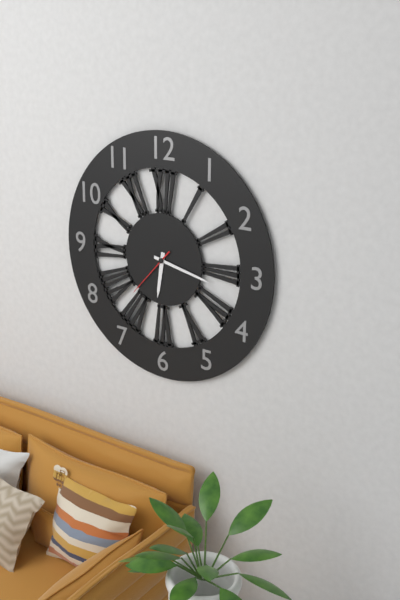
6:17:37
